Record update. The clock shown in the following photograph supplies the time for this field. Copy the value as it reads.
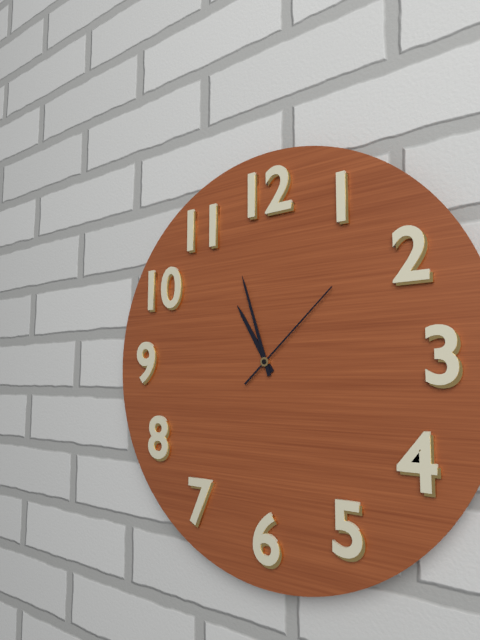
10:57:08
